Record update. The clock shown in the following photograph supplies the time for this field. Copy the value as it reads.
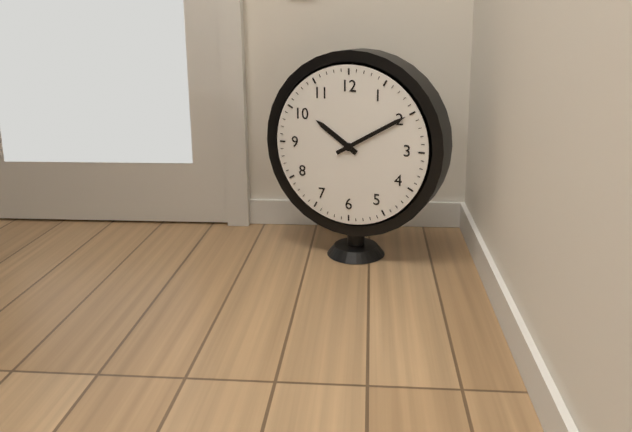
10:10
